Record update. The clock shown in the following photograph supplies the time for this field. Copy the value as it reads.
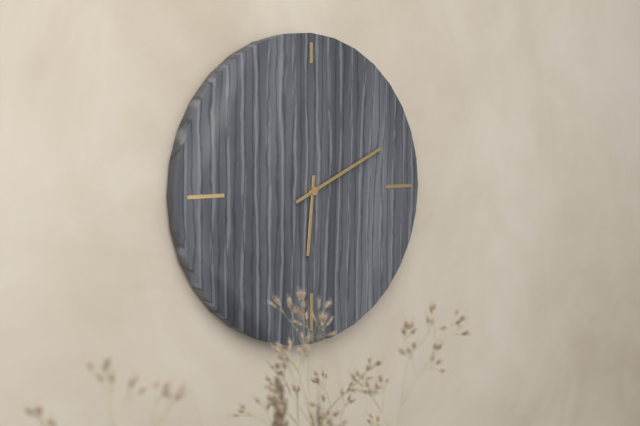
6:11
